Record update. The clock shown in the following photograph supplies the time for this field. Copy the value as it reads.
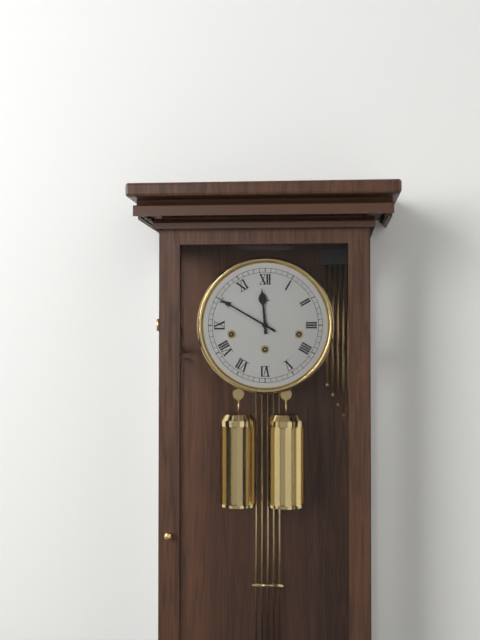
11:50
